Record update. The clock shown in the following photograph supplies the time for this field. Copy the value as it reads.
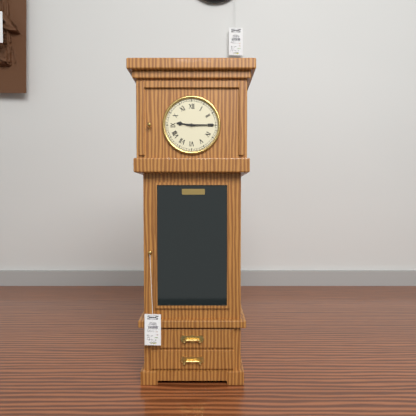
9:15
